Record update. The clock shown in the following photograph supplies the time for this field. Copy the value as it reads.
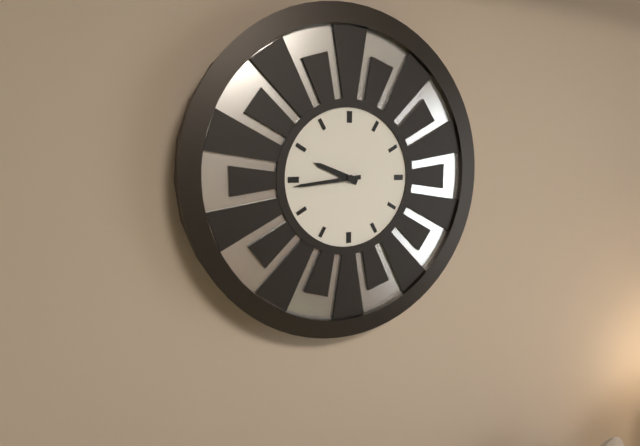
9:44
